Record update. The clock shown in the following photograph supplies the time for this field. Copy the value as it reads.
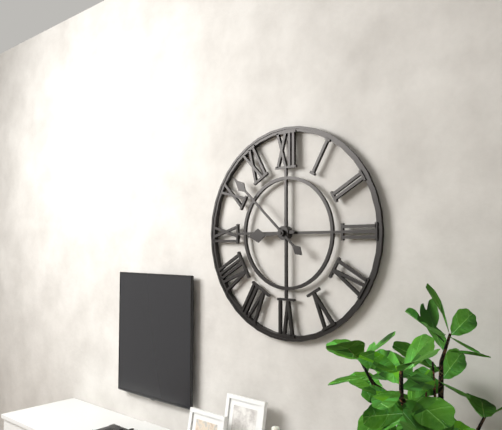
8:52
